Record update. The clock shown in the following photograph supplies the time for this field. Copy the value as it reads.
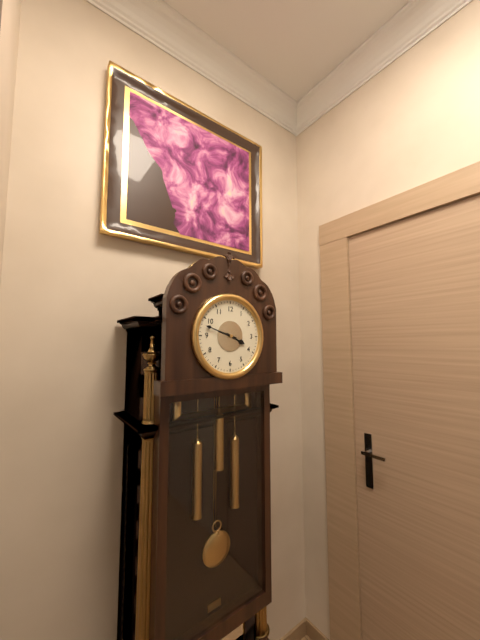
3:48
